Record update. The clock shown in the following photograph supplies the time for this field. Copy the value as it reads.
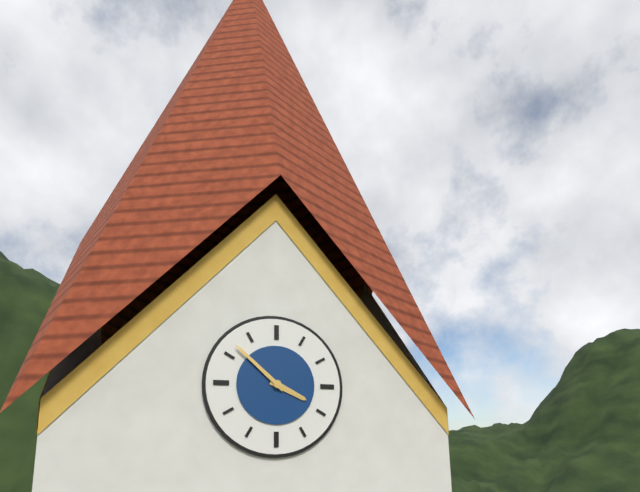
3:52
